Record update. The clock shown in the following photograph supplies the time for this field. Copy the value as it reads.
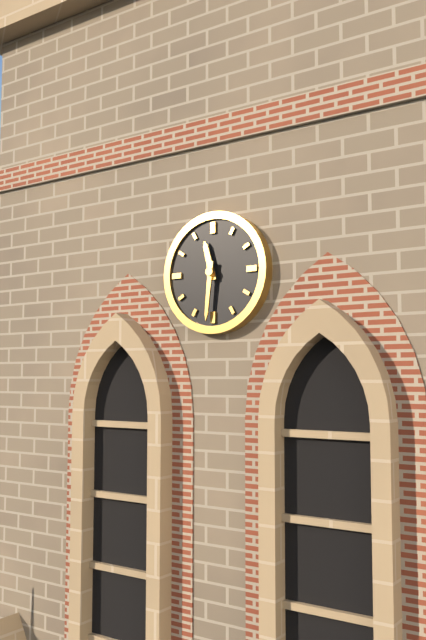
11:31
